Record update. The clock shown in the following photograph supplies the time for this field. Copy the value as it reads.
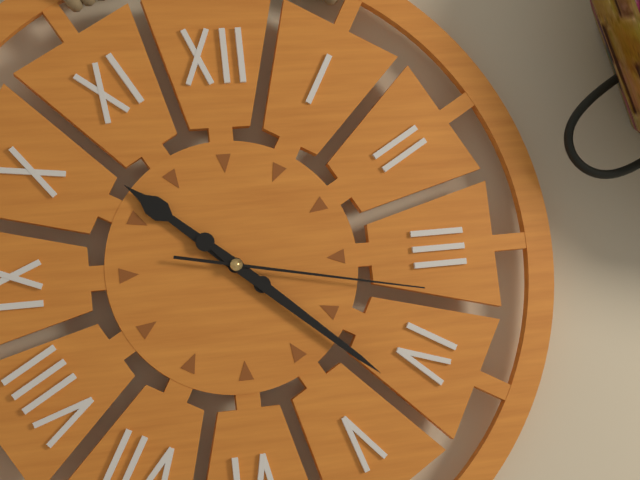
10:22:17
